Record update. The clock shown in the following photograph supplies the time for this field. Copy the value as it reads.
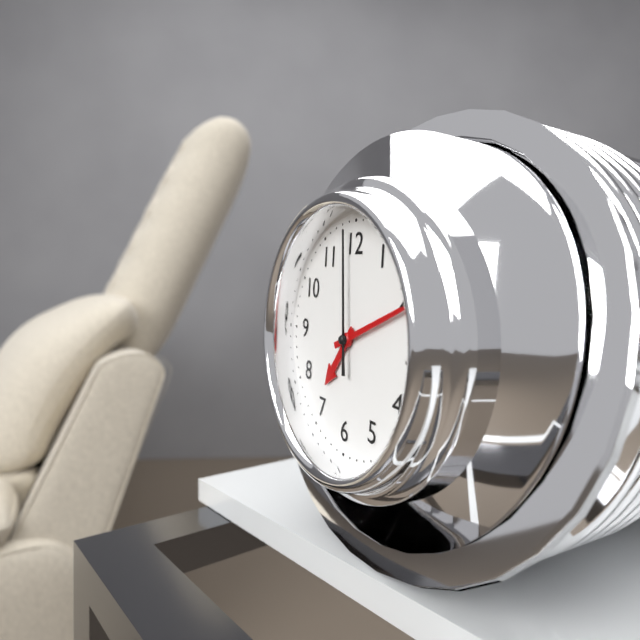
7:11:59
